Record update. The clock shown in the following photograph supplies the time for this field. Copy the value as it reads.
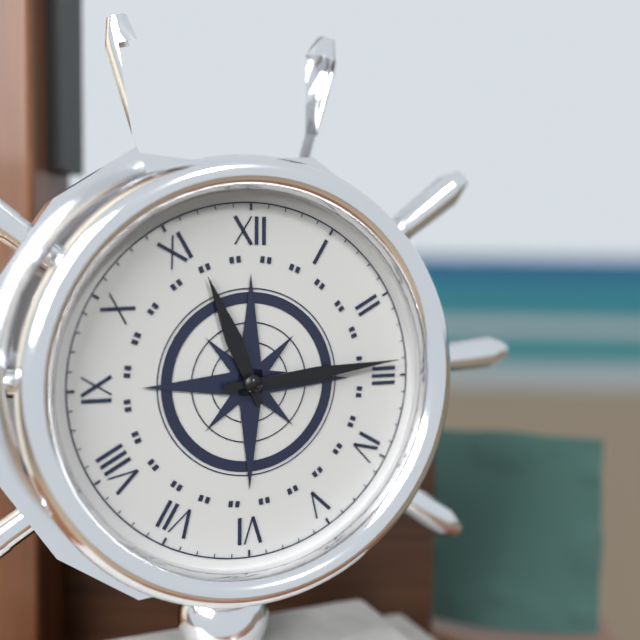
11:14
